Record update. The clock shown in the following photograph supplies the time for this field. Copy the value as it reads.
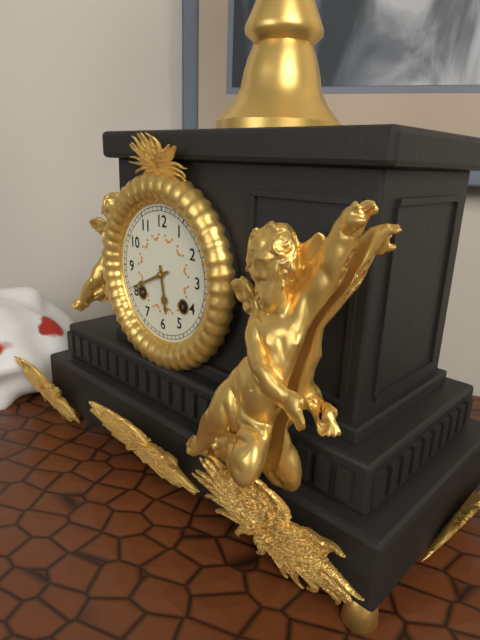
5:41
